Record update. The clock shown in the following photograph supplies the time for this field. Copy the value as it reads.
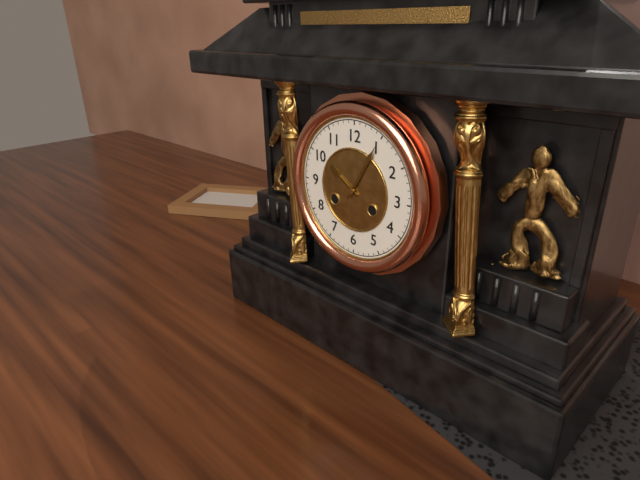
10:05
